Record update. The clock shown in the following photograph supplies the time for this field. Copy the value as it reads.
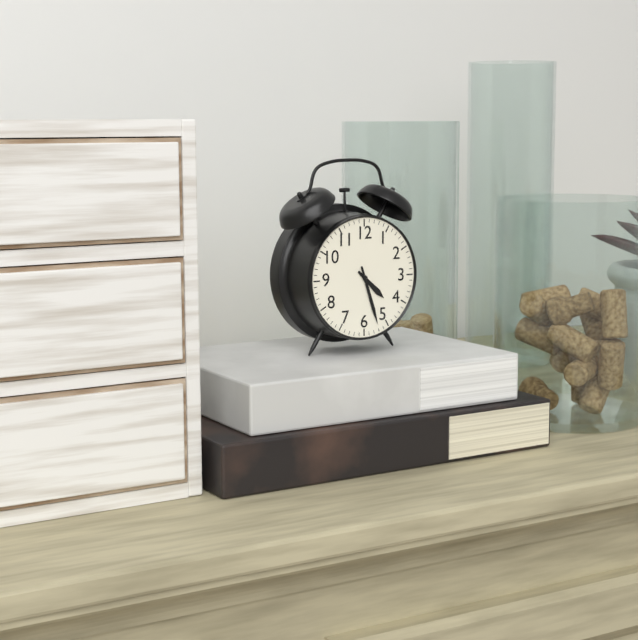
4:27
